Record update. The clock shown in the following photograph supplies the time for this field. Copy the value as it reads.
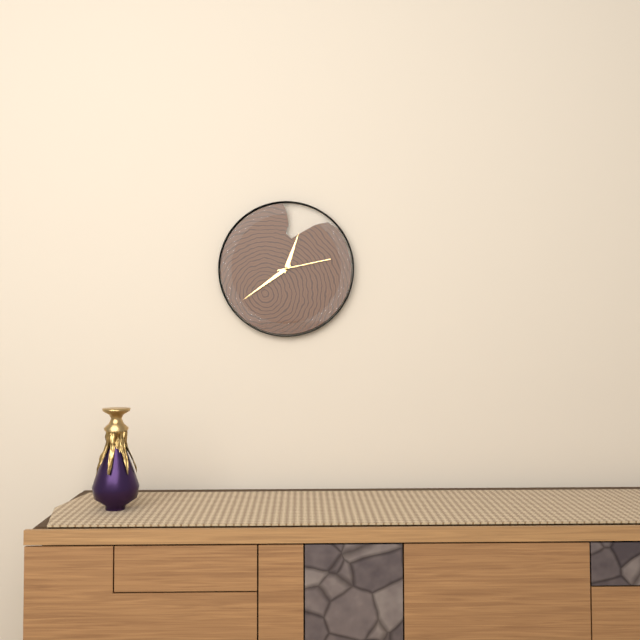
12:39:13
